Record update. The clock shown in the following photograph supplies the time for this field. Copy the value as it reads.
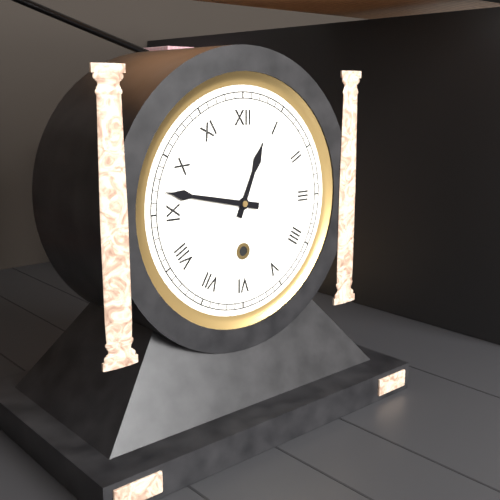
12:47
